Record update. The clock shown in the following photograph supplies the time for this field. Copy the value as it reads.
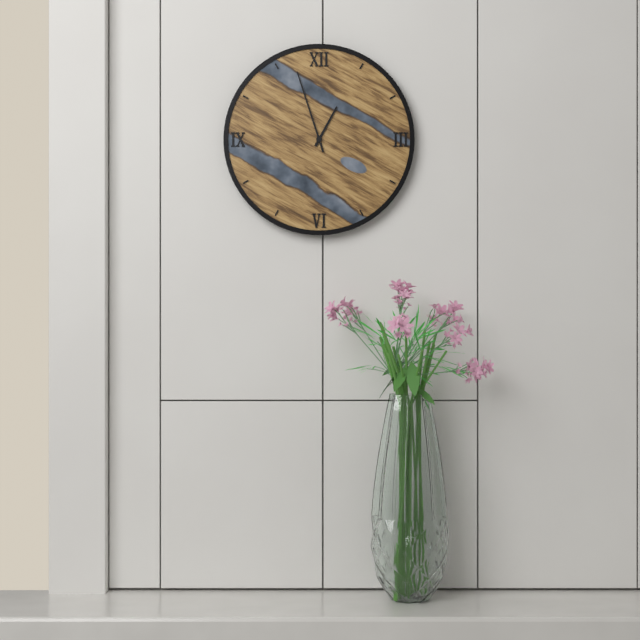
12:57
